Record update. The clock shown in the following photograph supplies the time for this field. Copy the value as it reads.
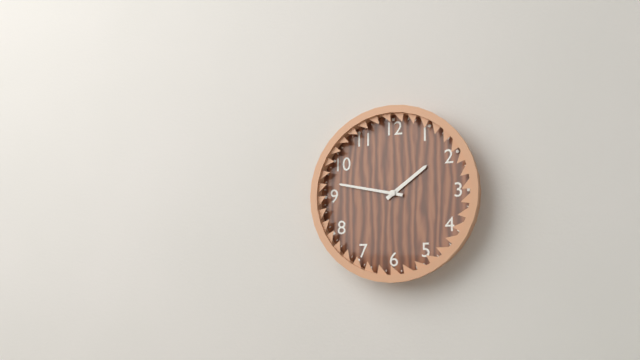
1:47
